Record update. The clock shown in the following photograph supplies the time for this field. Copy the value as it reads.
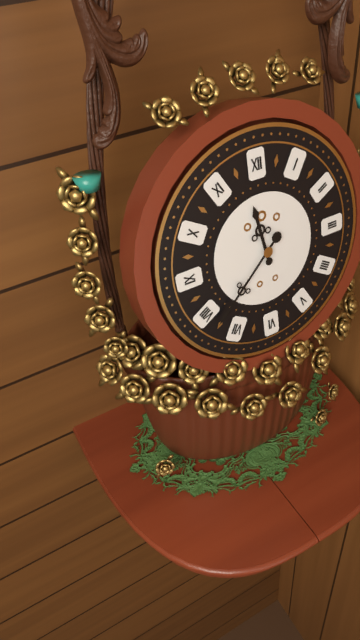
11:38
